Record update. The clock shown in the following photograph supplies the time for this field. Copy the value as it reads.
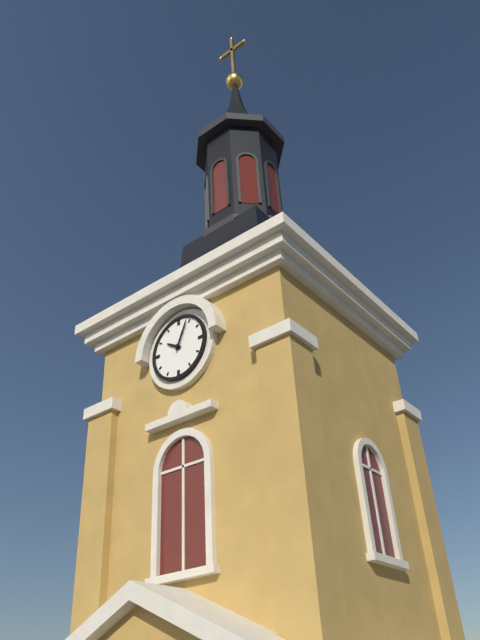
10:04
